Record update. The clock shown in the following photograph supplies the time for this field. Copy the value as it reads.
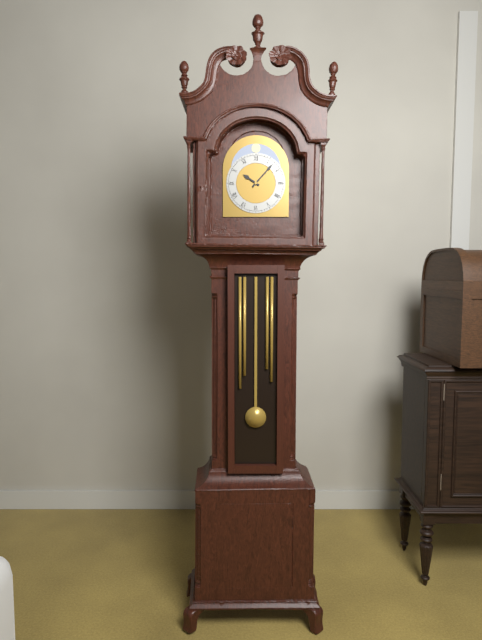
10:07
